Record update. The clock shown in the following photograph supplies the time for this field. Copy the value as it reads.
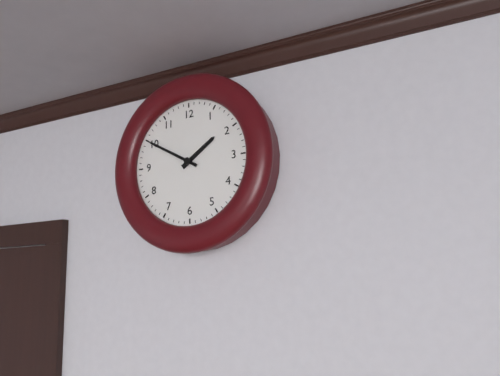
1:50
